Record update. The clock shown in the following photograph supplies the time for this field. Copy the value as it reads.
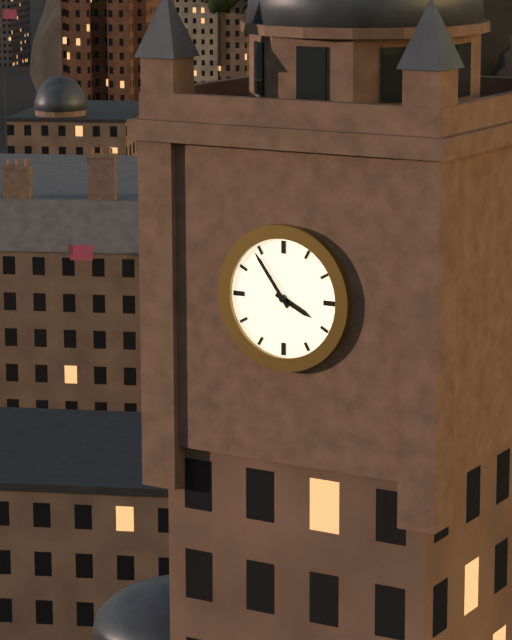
3:54
